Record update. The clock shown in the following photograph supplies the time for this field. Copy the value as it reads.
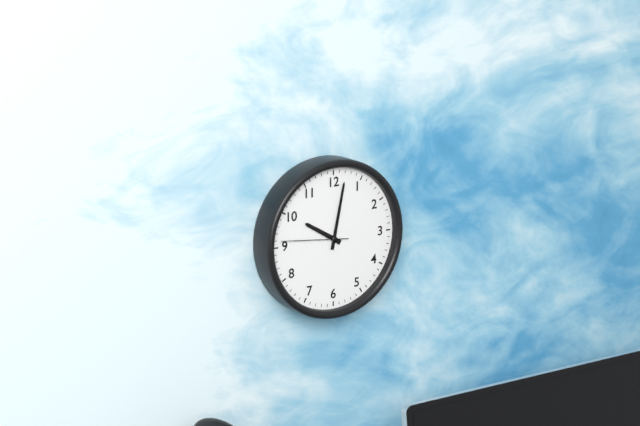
10:02:46
